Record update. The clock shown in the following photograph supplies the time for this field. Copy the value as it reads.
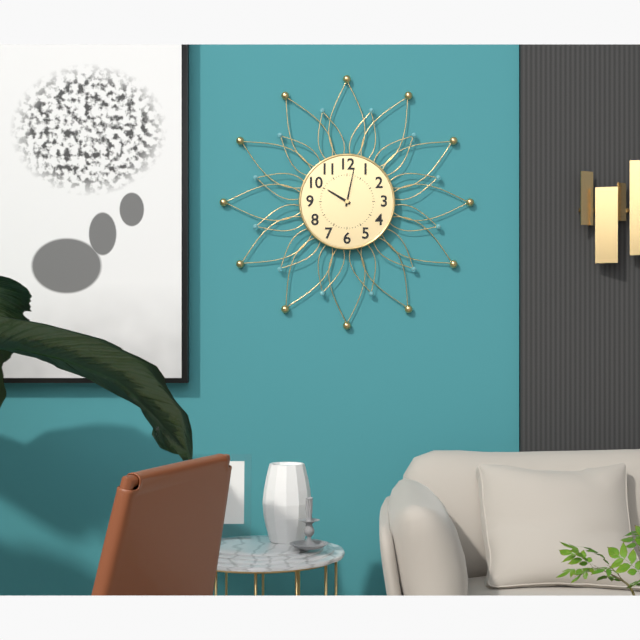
10:02
